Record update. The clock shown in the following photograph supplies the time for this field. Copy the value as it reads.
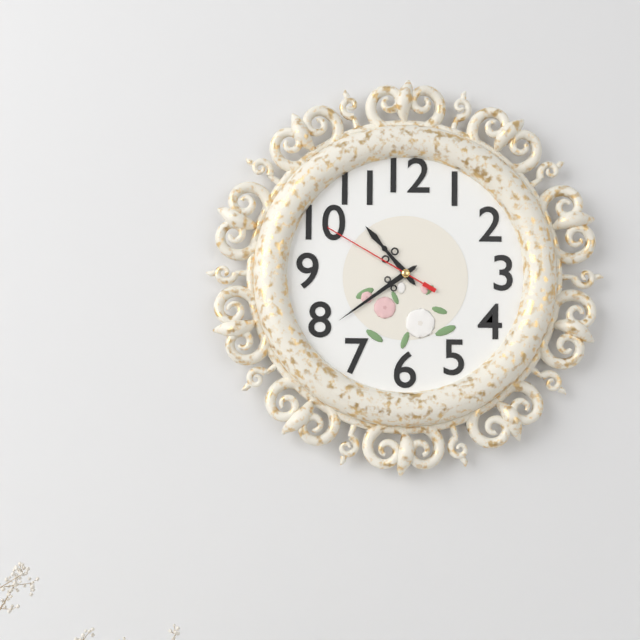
10:39:50
